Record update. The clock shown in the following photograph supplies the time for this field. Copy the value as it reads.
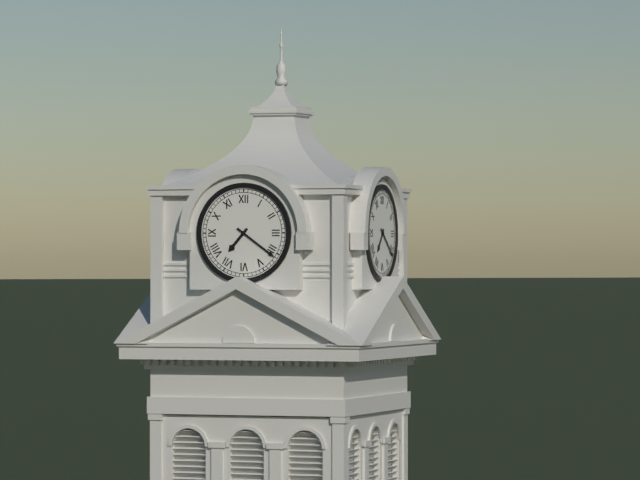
7:21
